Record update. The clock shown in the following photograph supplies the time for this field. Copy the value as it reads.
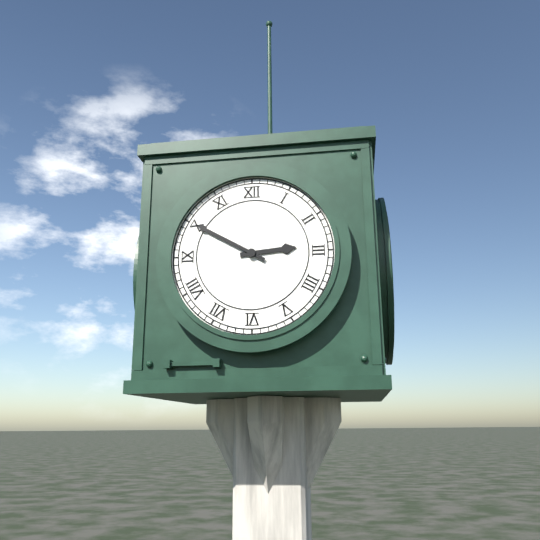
2:50
